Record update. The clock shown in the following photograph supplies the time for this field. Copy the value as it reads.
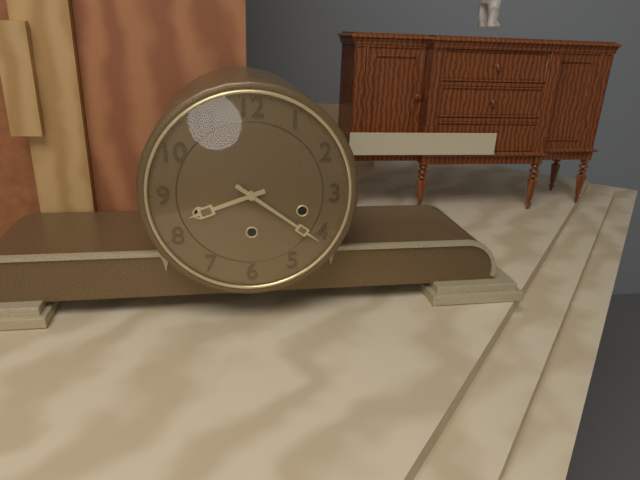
8:21
